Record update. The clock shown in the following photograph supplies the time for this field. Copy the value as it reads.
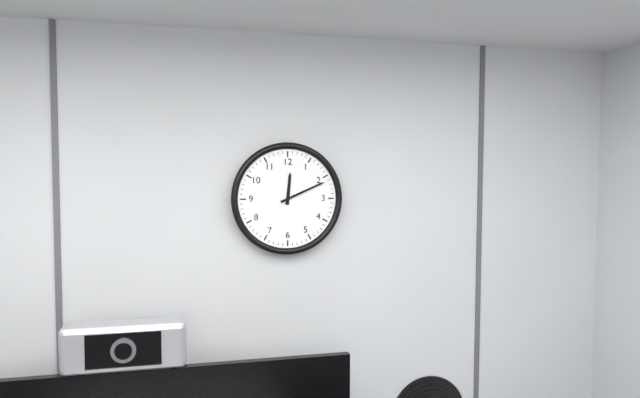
12:11
